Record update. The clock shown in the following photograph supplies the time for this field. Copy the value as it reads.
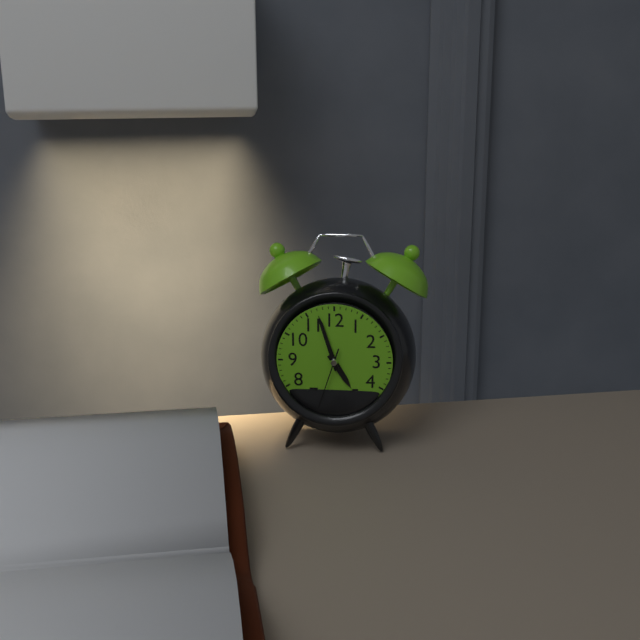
4:57:33
